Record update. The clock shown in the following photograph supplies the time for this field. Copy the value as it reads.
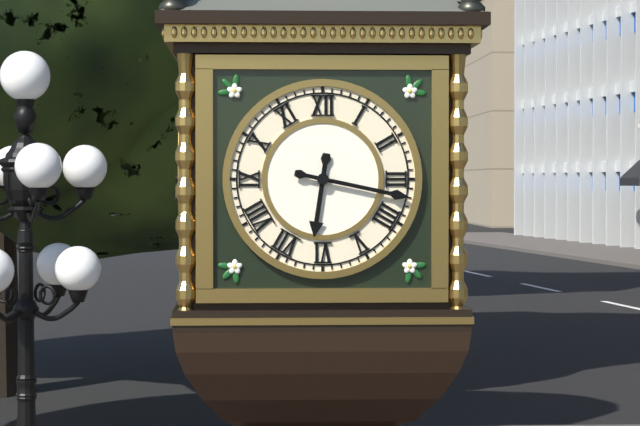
6:17
